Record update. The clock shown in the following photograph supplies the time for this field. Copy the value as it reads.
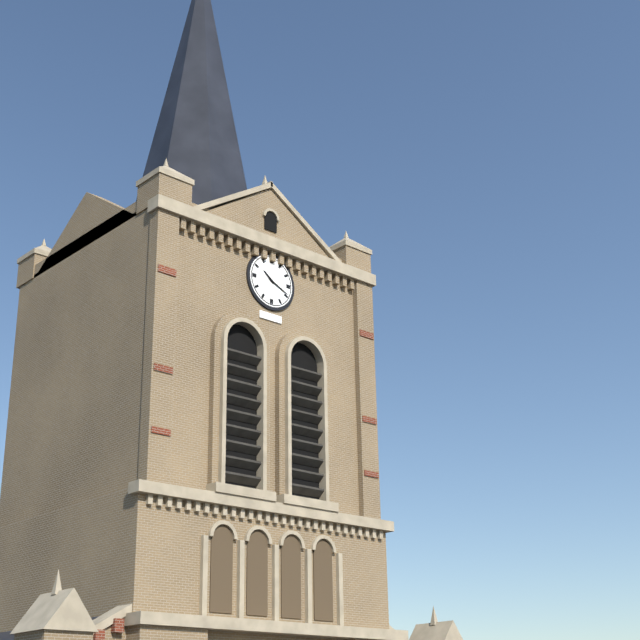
10:19
